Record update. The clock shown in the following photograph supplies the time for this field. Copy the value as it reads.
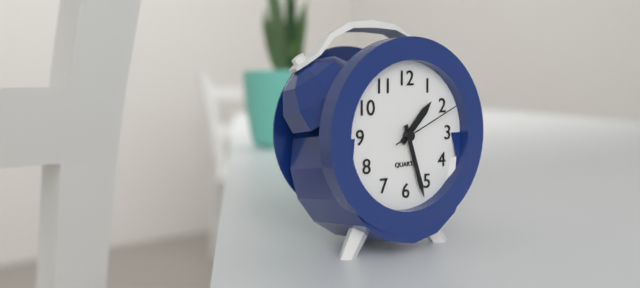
1:27:11
